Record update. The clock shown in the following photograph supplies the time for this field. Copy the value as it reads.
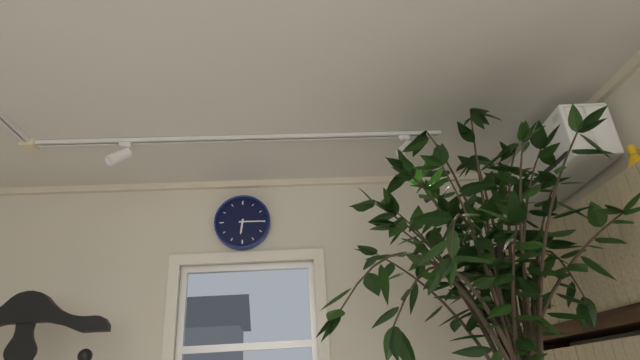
6:15
